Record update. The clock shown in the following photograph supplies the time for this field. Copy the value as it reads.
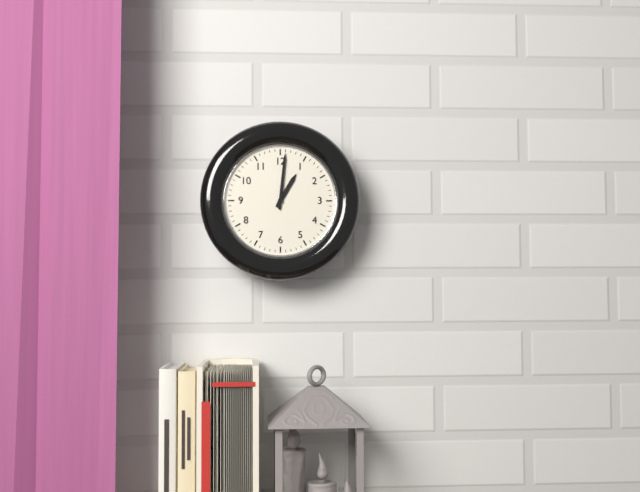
1:01
